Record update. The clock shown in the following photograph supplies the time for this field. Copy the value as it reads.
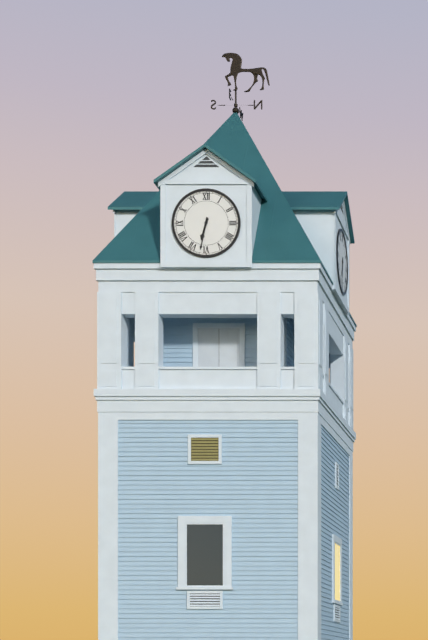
6:32
